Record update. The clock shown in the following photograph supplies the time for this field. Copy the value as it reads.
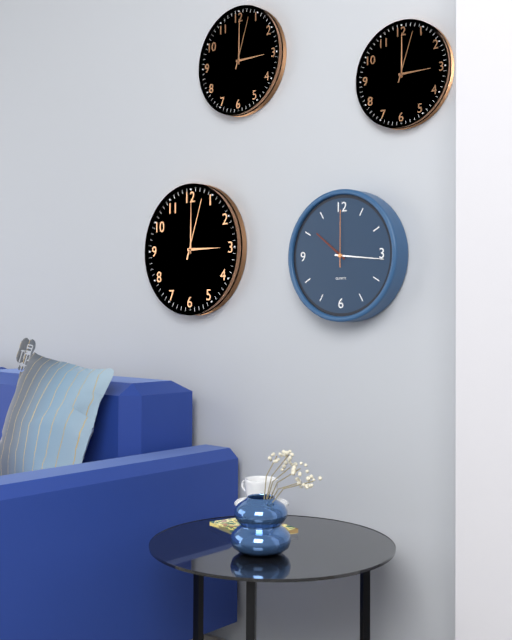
10:16:00
